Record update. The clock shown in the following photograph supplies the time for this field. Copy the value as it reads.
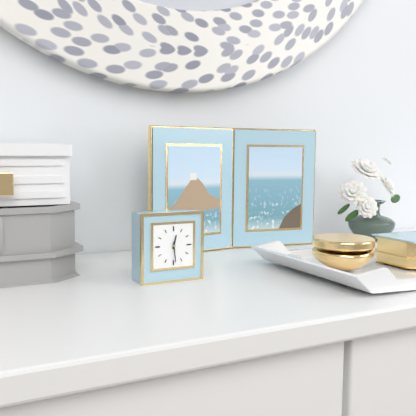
12:29
